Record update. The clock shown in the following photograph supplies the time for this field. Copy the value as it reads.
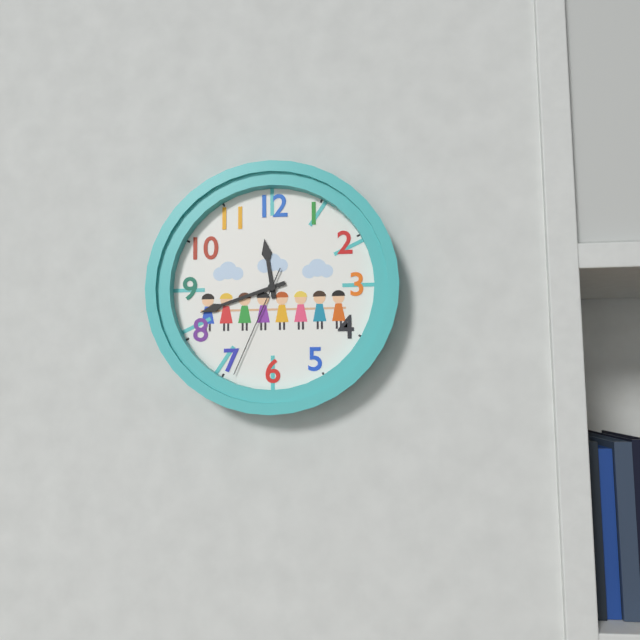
11:42:34
